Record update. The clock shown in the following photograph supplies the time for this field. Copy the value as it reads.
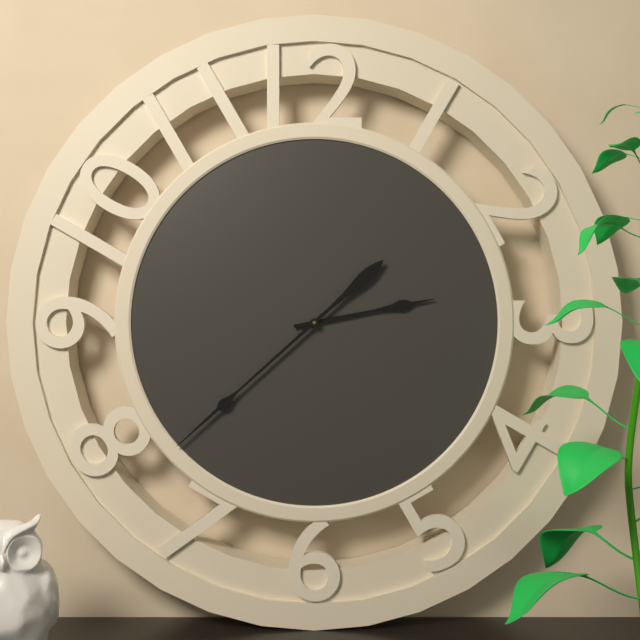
2:38
